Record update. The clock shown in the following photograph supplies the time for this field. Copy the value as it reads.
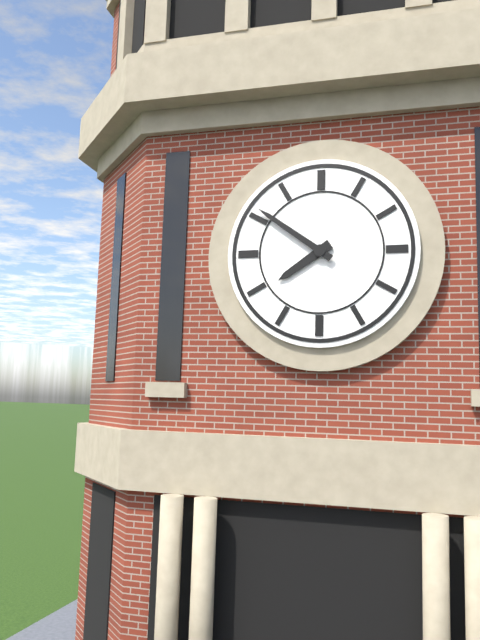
7:51
